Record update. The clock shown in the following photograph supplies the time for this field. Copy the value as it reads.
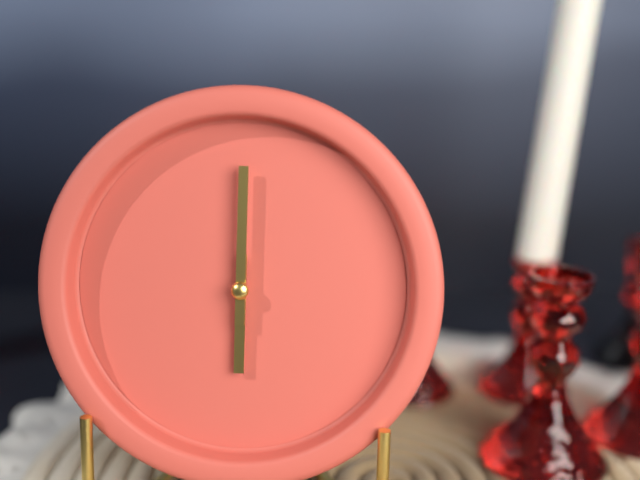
6:00
